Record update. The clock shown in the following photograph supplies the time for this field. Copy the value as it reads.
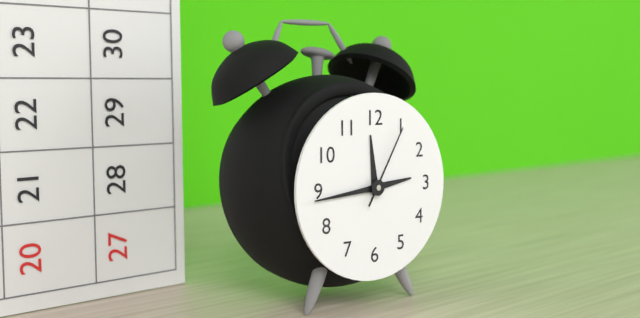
2:44:05
